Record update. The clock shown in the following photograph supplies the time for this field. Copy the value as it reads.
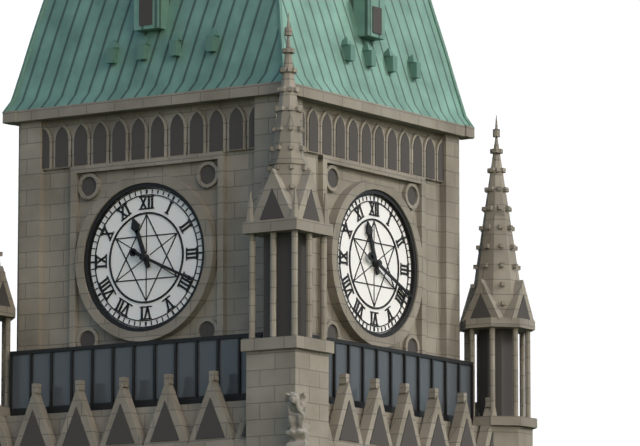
11:19
